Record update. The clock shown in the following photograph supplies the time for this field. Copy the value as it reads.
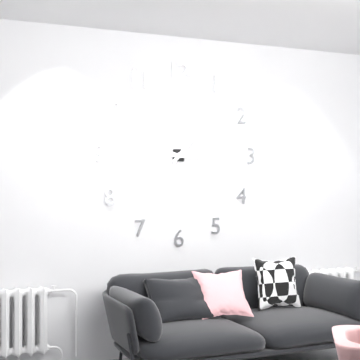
3:07
